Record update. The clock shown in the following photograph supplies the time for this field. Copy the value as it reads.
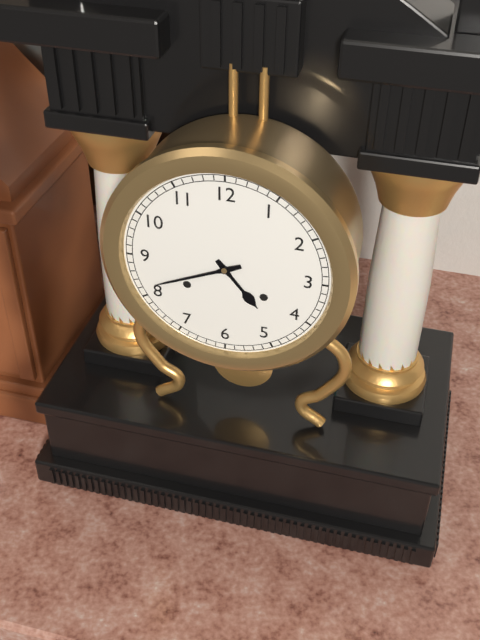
4:41
